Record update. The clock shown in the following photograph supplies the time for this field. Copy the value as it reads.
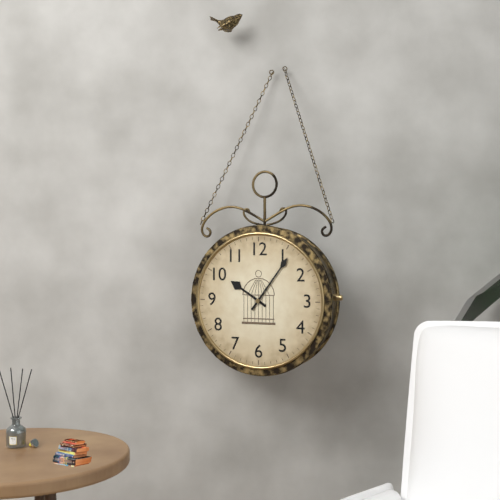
10:06
